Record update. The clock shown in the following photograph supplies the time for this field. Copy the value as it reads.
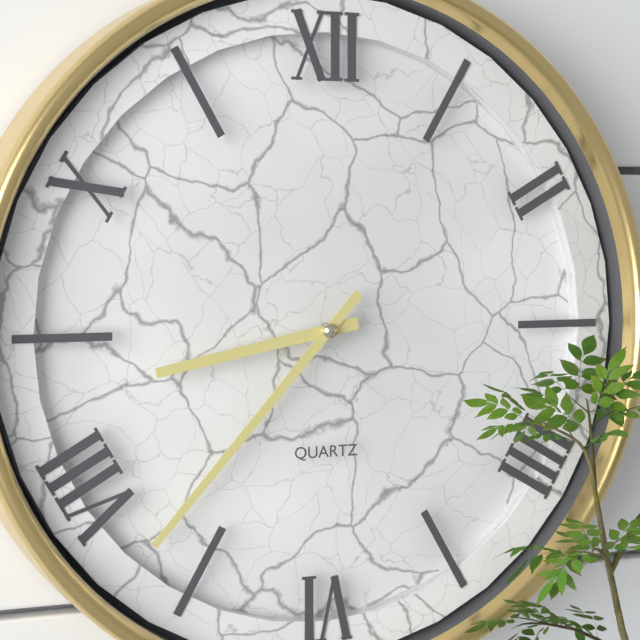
8:37
